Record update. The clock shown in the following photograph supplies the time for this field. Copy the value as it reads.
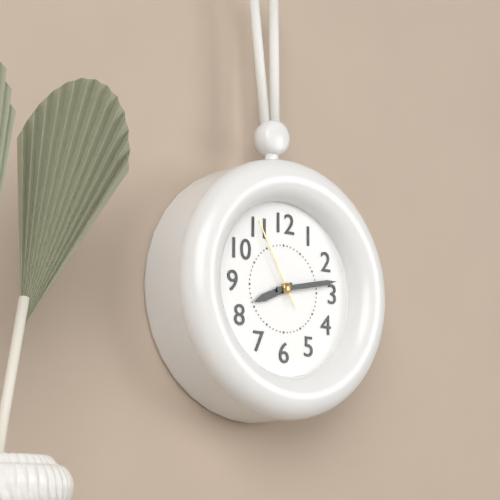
8:13:55
